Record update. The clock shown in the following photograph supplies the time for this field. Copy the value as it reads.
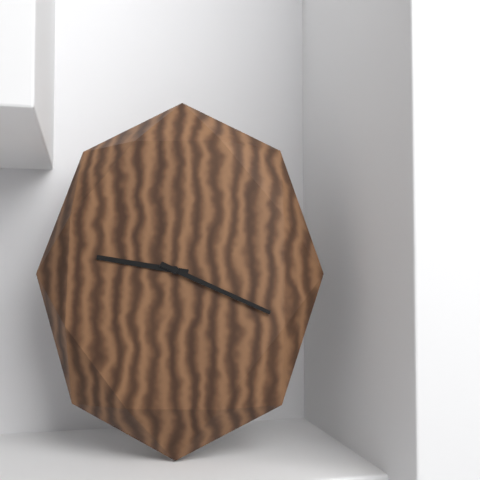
9:19
